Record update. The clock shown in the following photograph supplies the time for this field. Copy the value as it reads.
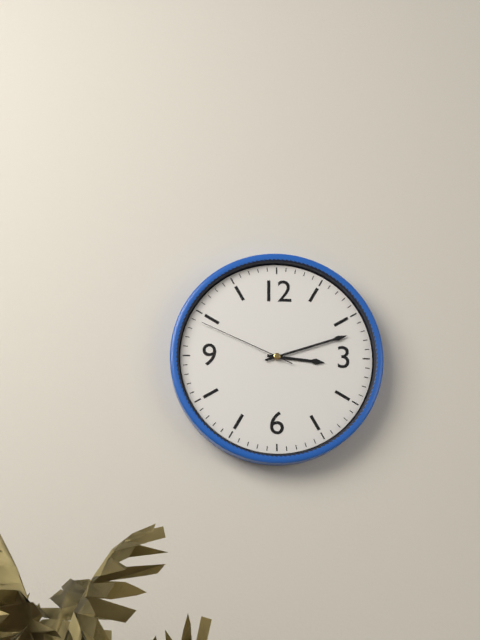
3:12:49
